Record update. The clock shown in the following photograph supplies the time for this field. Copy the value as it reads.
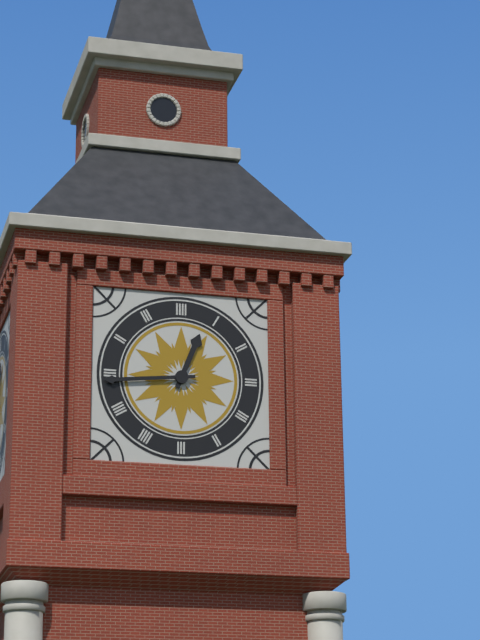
12:44
